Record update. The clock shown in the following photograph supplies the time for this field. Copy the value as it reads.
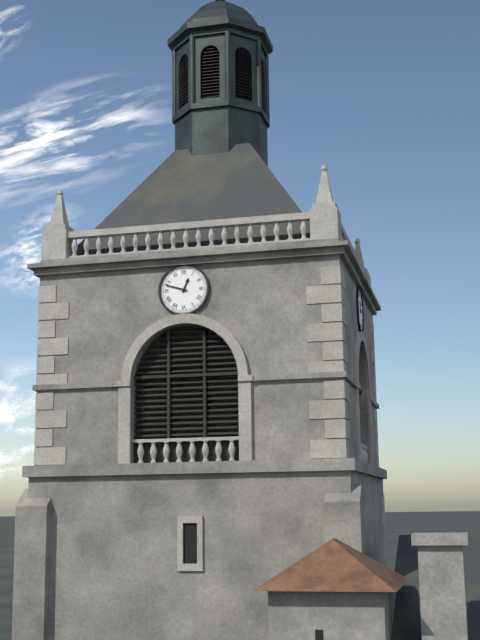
12:48
